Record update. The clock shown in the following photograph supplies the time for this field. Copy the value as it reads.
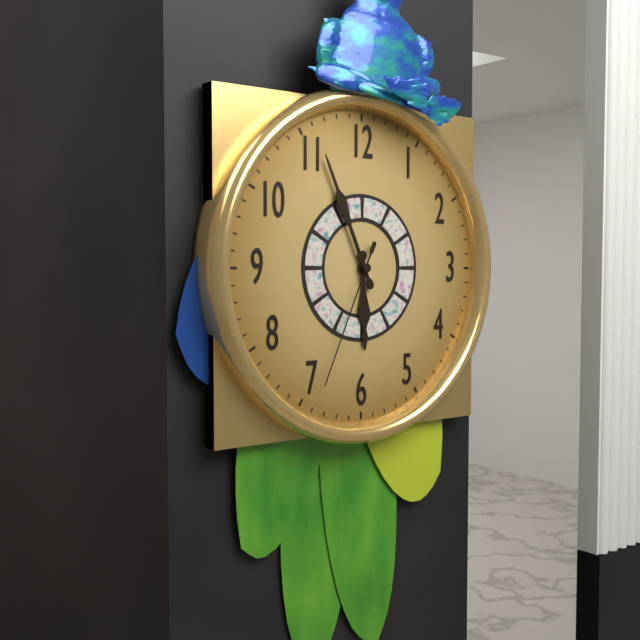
5:56:34
